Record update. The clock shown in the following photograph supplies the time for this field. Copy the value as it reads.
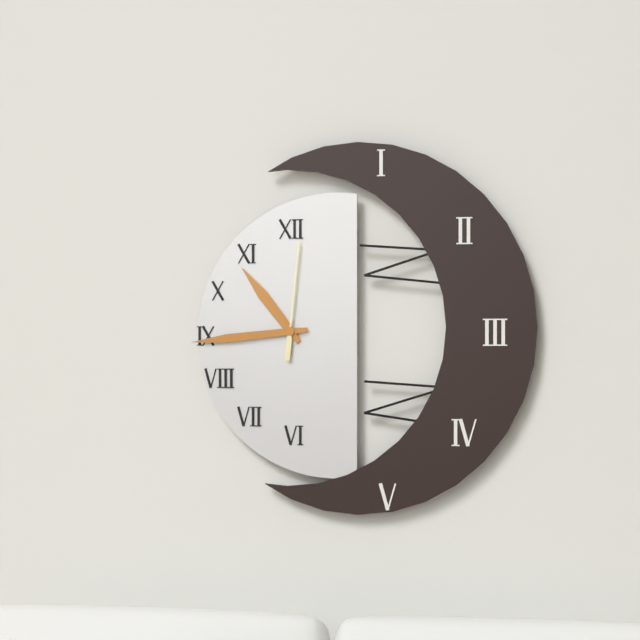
10:44:01
